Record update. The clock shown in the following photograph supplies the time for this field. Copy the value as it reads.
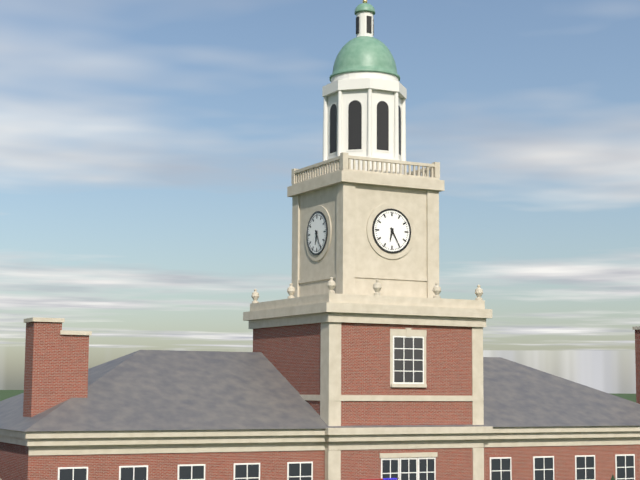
6:25
